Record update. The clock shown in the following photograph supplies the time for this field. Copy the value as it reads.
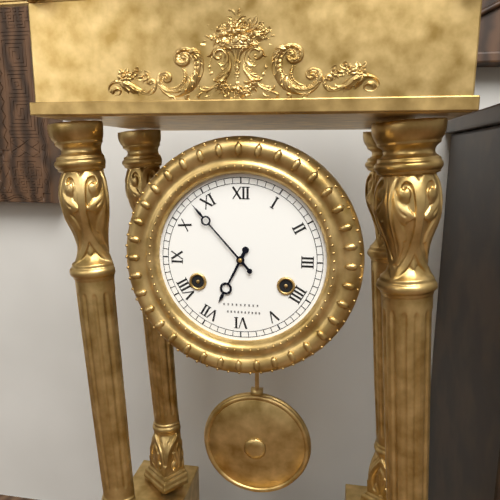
6:53
